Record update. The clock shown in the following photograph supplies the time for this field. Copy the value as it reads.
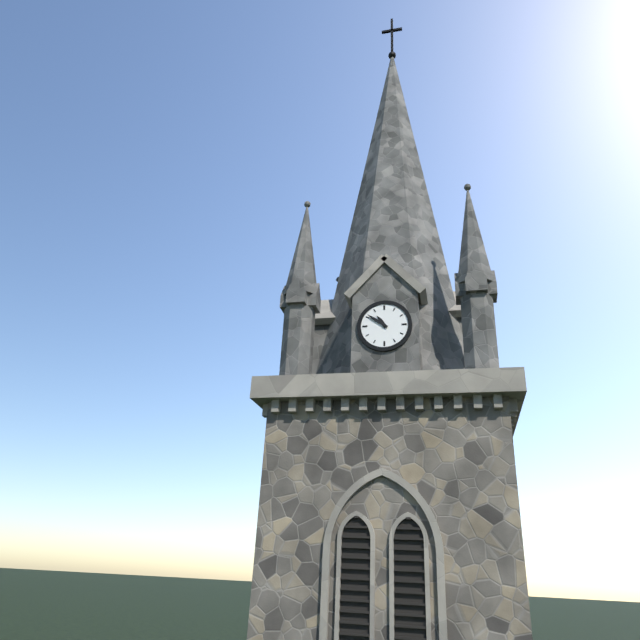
10:51
